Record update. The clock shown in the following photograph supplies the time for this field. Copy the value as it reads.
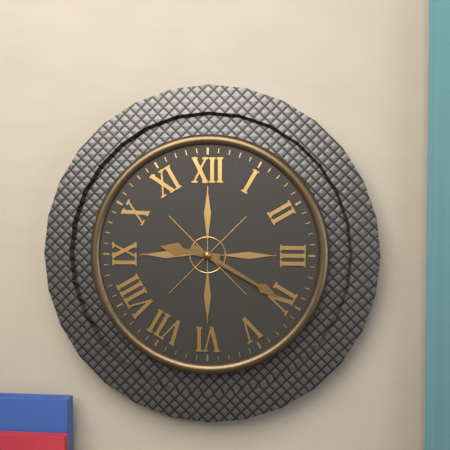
9:20
